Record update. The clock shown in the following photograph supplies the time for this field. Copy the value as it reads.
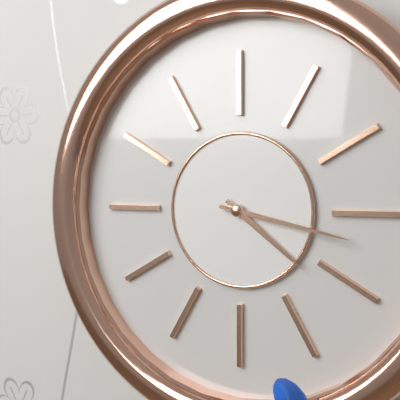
4:17
